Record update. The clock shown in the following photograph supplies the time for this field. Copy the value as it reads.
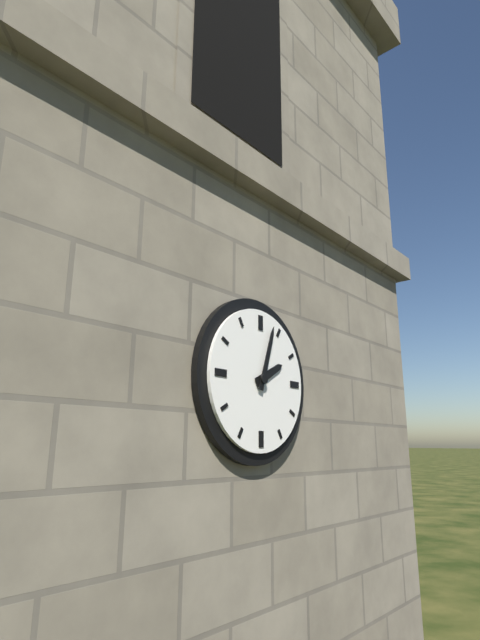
2:03
